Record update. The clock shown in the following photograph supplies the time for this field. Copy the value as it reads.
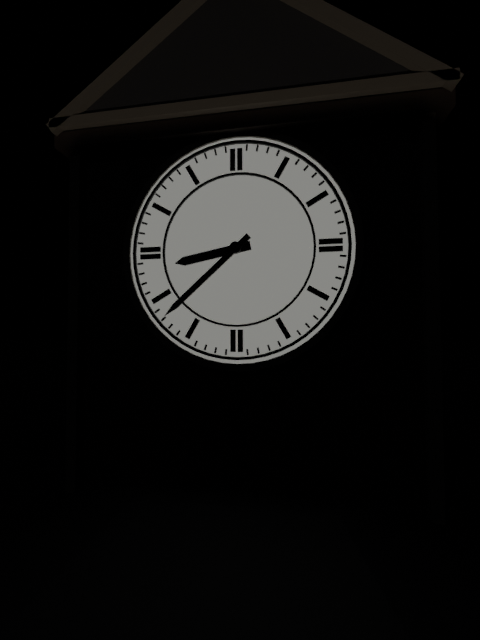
8:38
